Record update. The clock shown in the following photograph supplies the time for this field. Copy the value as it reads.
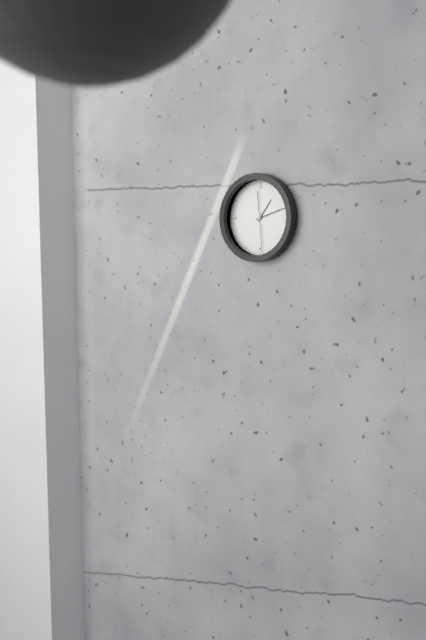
1:12
